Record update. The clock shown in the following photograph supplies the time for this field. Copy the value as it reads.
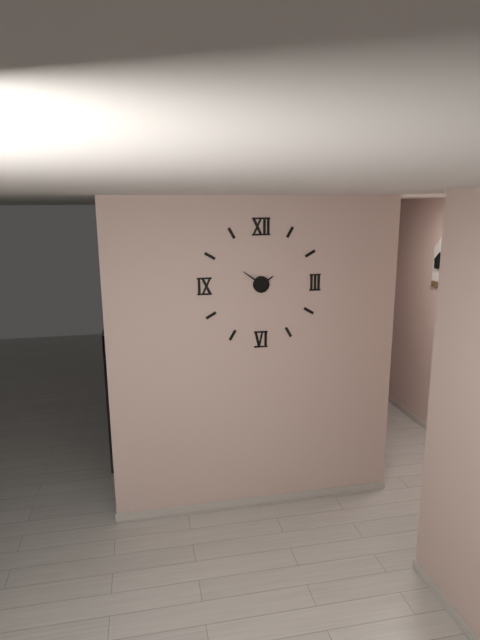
1:51
